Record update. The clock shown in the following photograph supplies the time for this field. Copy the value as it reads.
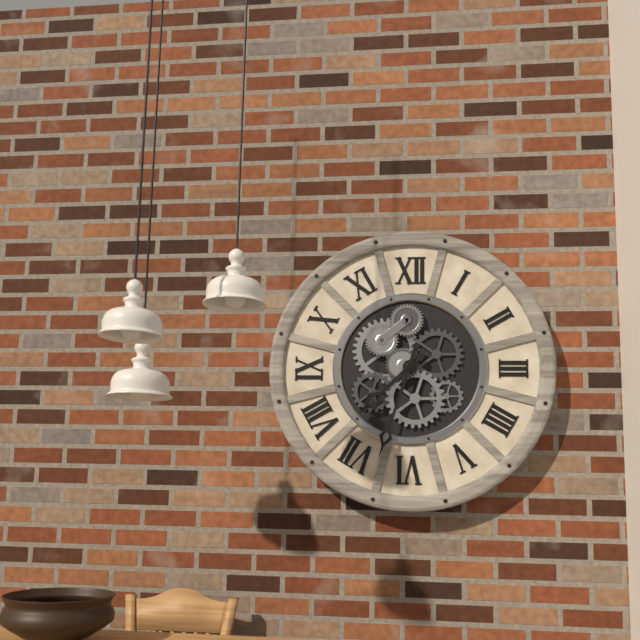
7:33
